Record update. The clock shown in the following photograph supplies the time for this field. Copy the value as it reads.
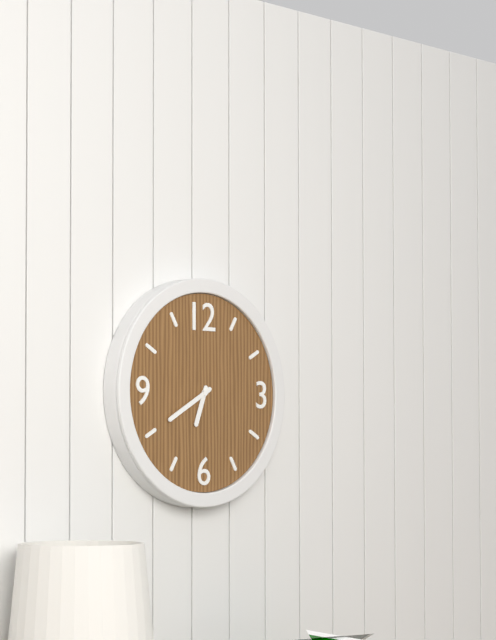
6:40
